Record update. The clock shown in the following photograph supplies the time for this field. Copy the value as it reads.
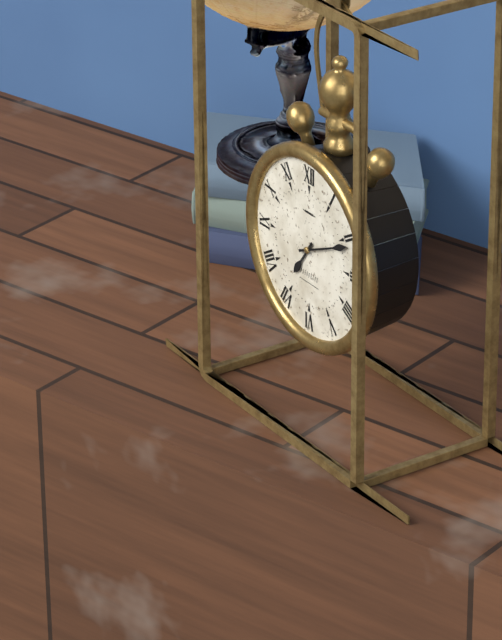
7:11
